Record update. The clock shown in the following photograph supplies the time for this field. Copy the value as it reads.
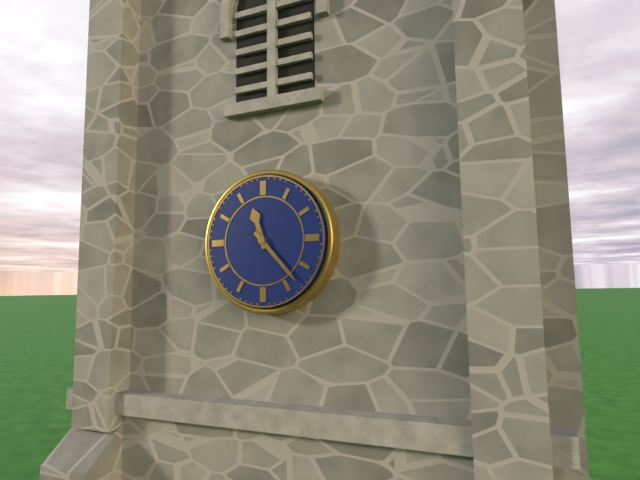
11:23
